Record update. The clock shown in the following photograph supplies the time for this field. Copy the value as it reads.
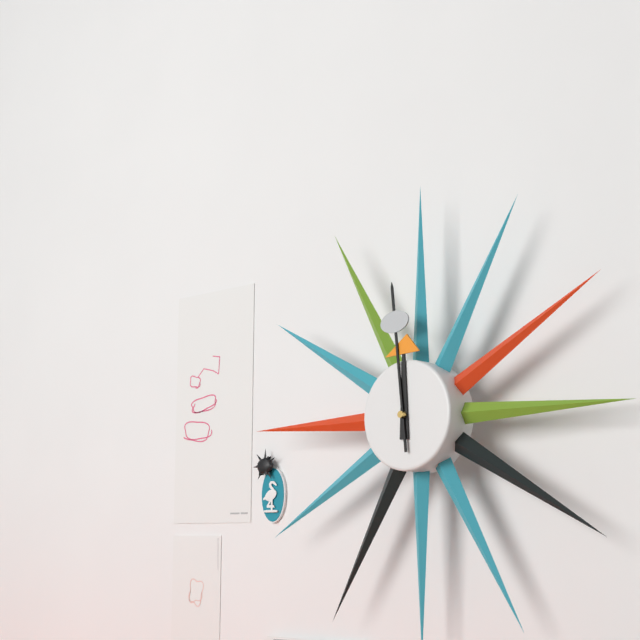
11:59
